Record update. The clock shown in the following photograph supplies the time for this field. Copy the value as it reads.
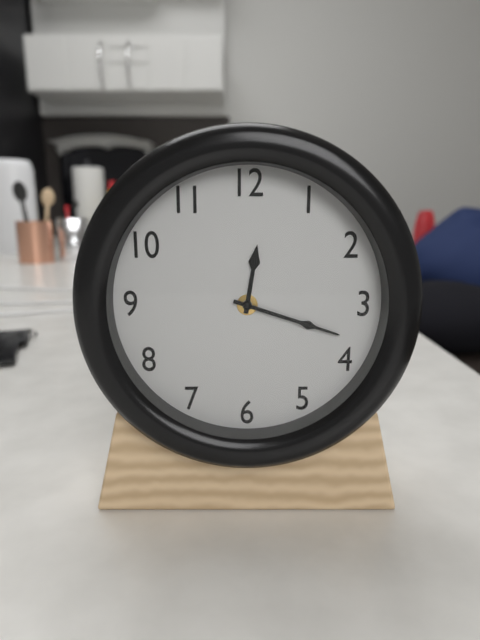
12:18
